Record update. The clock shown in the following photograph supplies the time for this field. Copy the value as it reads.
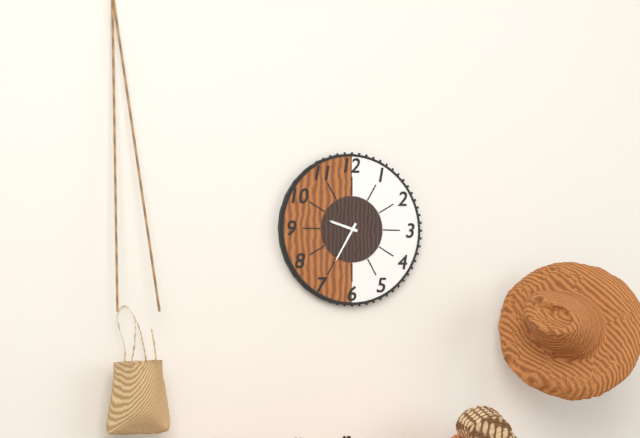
9:35
